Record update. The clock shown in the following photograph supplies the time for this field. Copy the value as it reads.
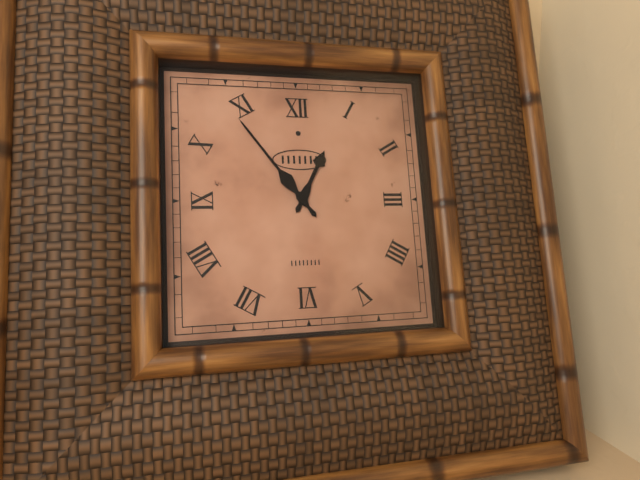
12:54
